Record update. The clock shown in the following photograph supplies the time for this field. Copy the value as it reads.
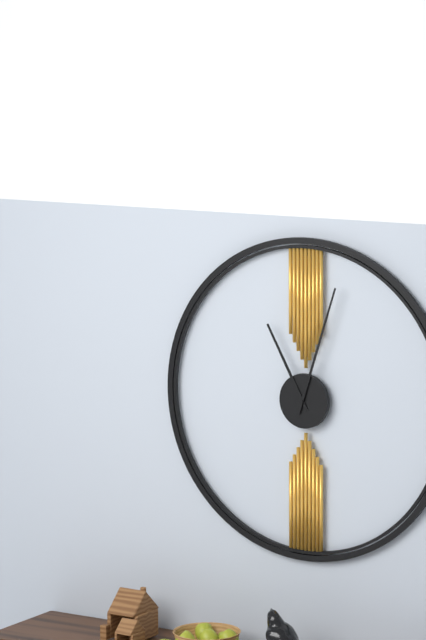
11:03
